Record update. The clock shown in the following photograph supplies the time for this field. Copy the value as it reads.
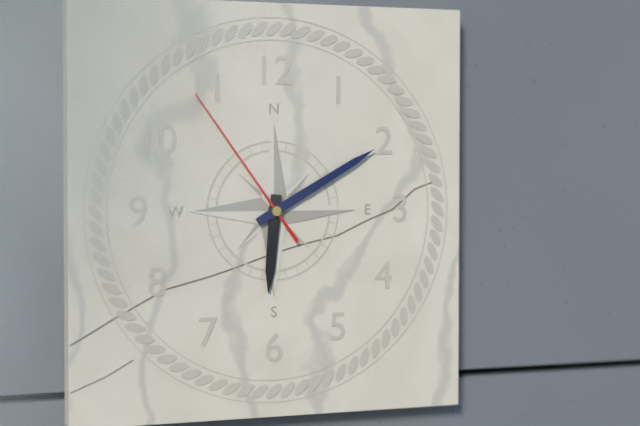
6:10:54
